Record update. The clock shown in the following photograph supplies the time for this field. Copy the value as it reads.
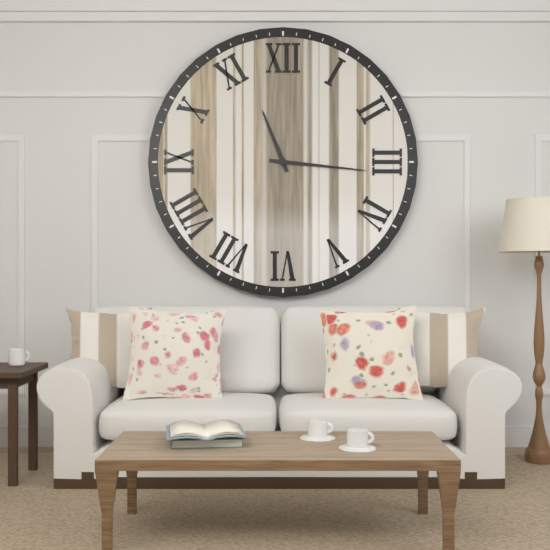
11:16
